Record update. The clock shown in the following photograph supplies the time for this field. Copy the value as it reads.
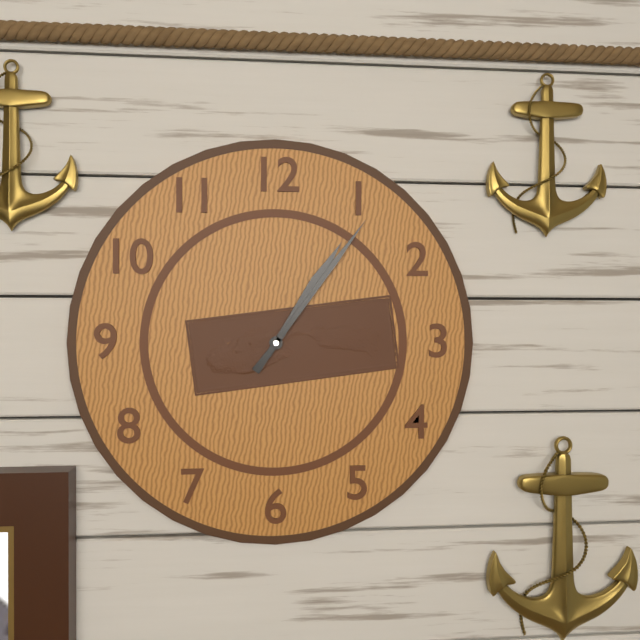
1:06
